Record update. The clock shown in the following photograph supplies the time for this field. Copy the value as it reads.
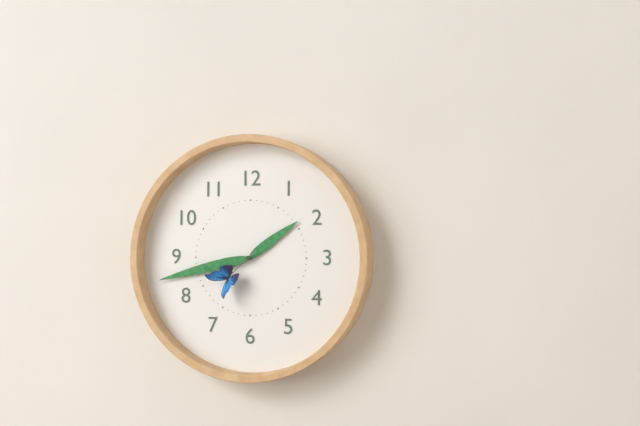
1:43:38
